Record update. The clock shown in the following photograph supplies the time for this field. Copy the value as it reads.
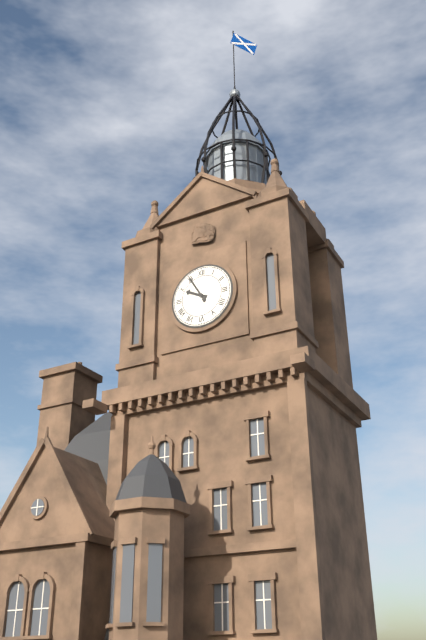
9:55
